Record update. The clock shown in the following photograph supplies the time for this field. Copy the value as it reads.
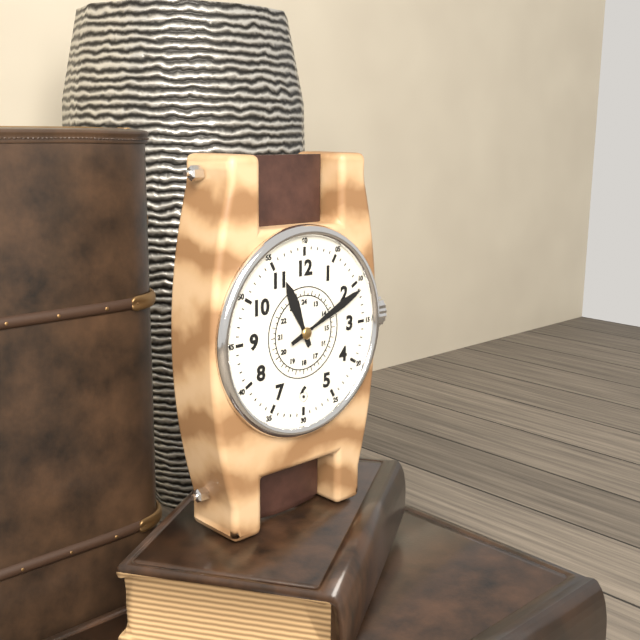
11:11
